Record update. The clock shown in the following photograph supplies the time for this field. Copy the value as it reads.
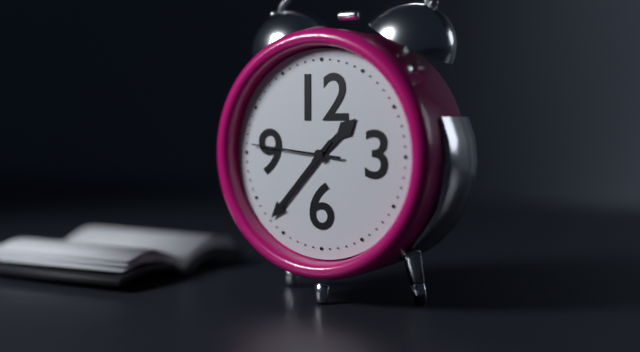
1:37:46
